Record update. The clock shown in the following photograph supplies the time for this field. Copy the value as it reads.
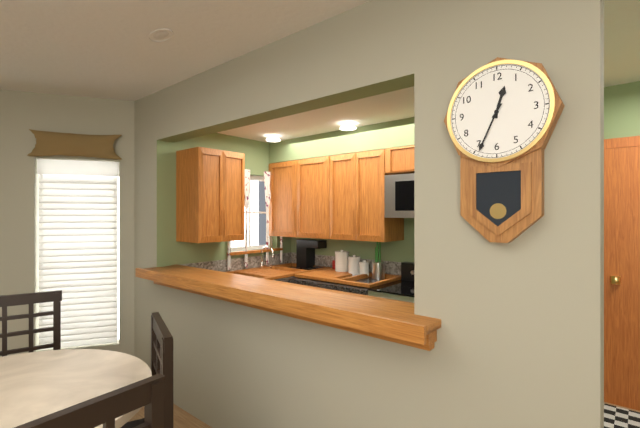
12:34
